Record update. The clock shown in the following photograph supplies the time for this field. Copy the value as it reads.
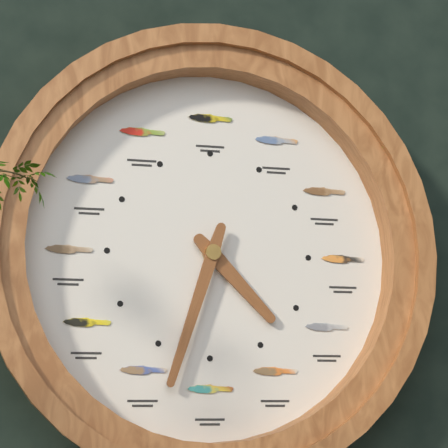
4:33
